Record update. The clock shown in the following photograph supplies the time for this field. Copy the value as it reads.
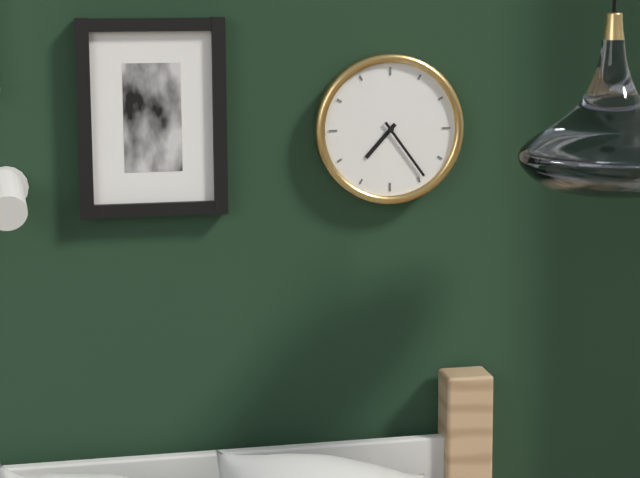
7:24
